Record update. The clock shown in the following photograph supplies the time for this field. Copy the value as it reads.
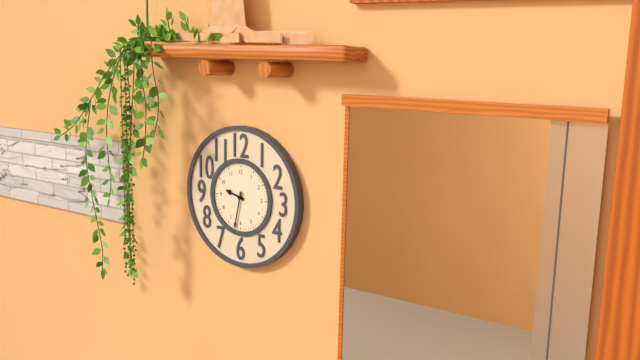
9:32
